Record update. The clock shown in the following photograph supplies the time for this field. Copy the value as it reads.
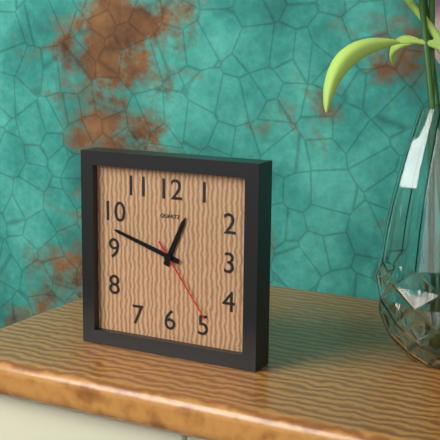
12:48:24
